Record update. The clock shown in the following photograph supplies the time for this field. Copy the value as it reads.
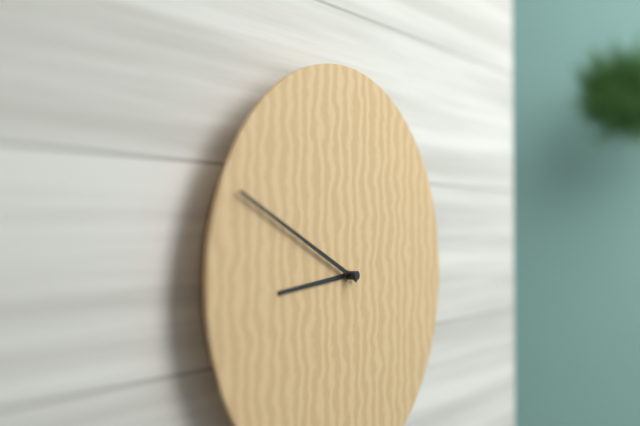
8:49
